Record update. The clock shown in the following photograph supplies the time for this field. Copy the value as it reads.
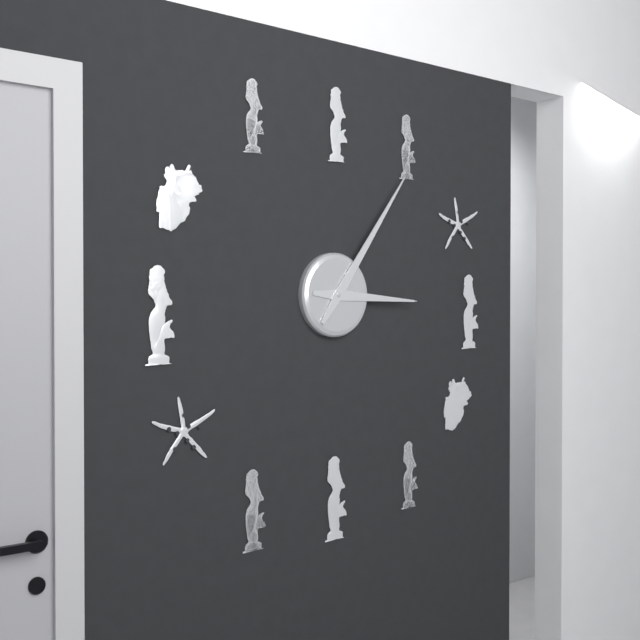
3:06
